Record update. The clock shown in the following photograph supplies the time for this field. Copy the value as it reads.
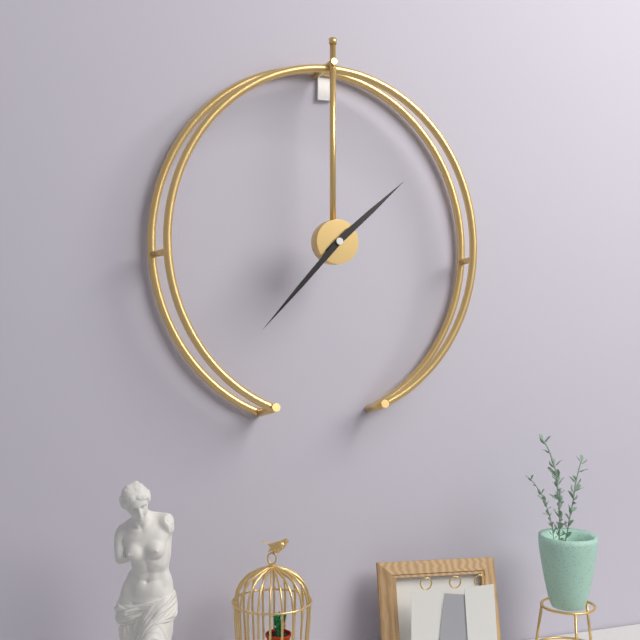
1:37
